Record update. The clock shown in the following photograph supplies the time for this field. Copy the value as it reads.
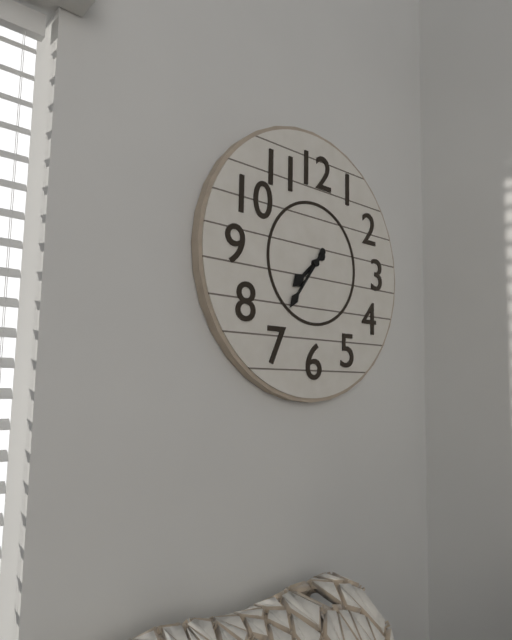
7:36
